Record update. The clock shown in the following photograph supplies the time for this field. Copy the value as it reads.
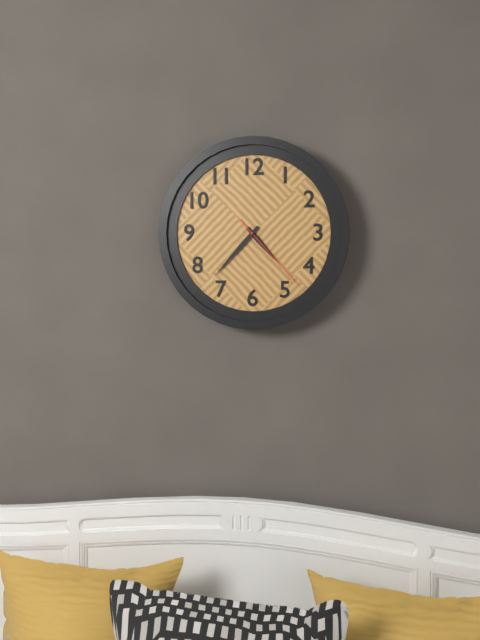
4:37:23
